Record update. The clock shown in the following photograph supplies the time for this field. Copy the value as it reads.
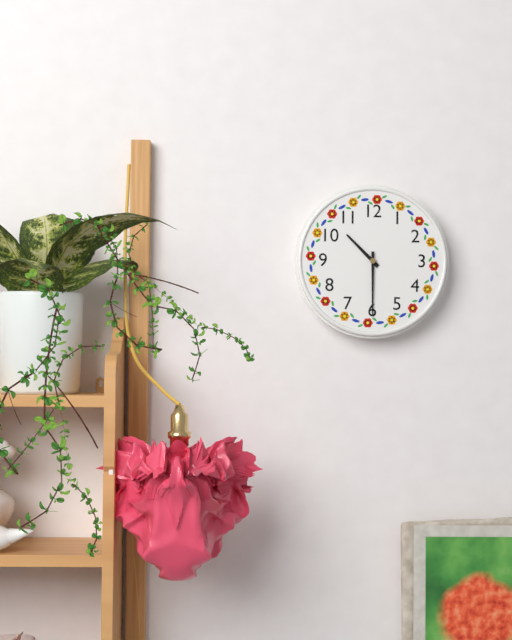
10:30
